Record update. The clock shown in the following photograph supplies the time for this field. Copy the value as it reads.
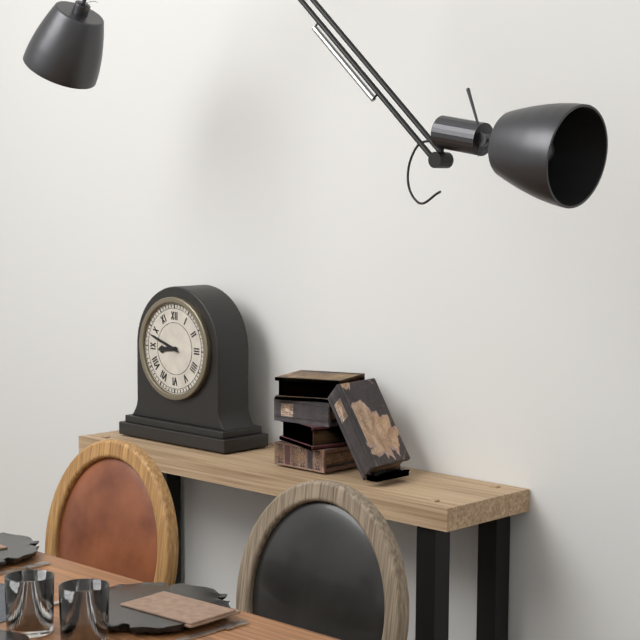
8:48
